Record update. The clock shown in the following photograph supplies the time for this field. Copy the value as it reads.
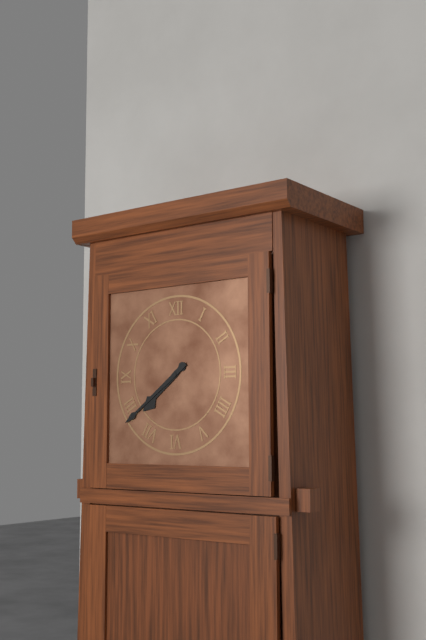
7:39
